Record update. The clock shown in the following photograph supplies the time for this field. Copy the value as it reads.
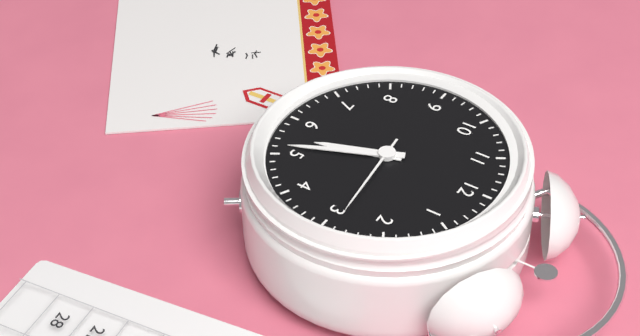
5:26:14
